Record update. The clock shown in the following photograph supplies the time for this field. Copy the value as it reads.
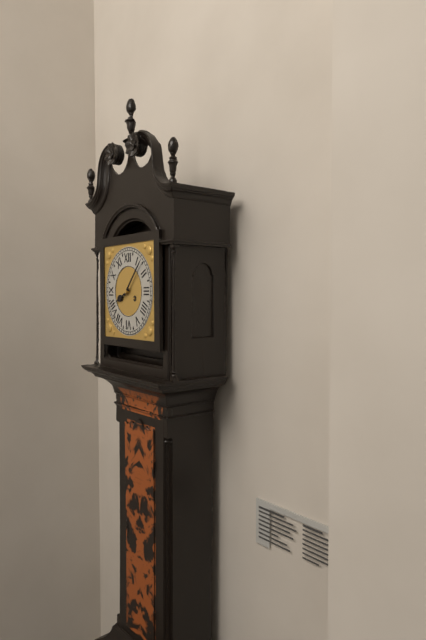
8:07
